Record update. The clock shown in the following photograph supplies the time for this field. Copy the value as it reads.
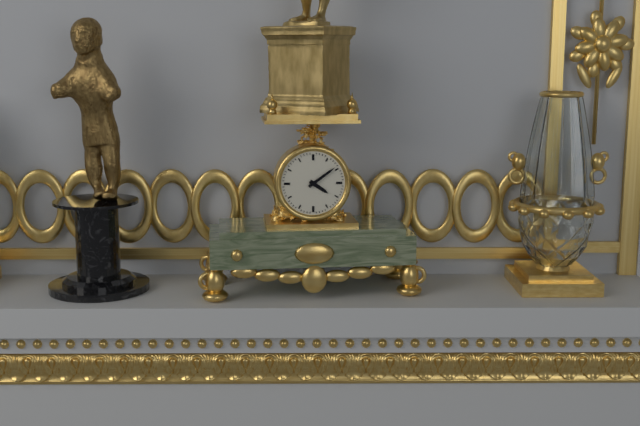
4:09
